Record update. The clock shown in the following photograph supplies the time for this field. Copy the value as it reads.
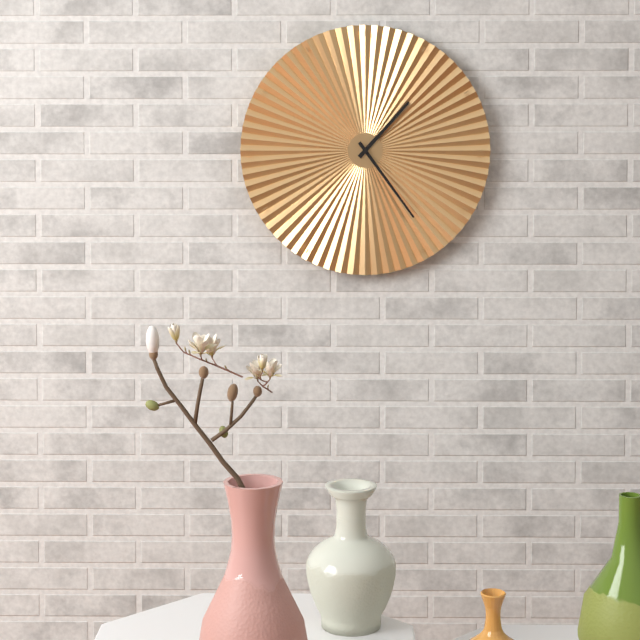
1:24
